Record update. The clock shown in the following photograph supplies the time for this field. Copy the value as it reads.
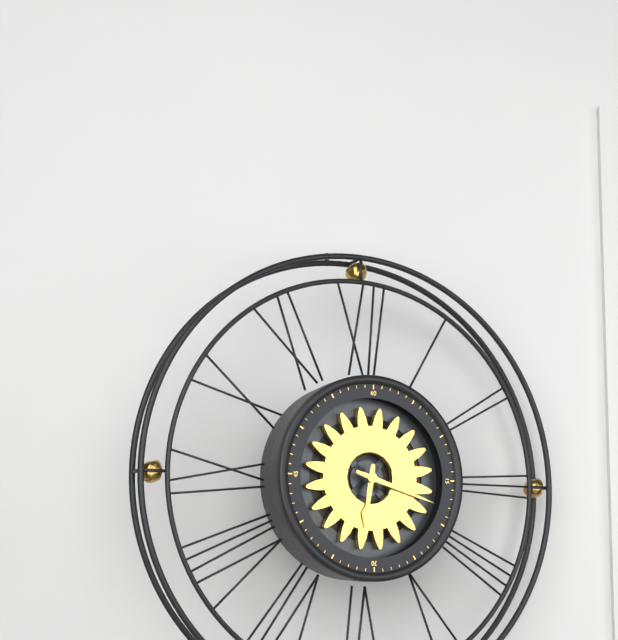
6:18
